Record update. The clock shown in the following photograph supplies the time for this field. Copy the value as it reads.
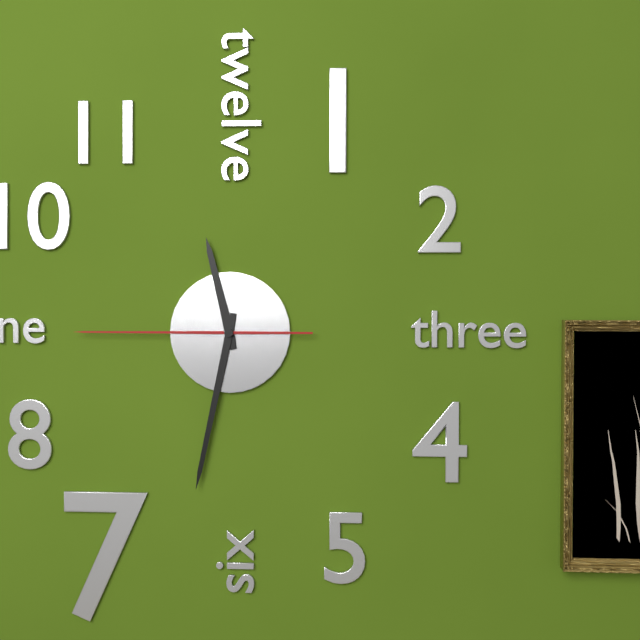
11:32:45
